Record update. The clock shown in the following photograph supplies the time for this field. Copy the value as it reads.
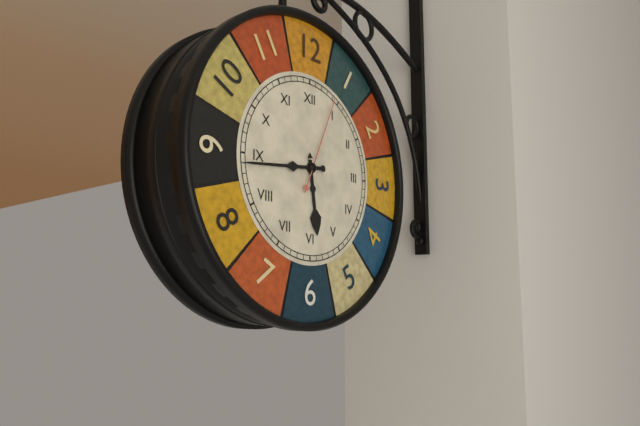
5:44:04
